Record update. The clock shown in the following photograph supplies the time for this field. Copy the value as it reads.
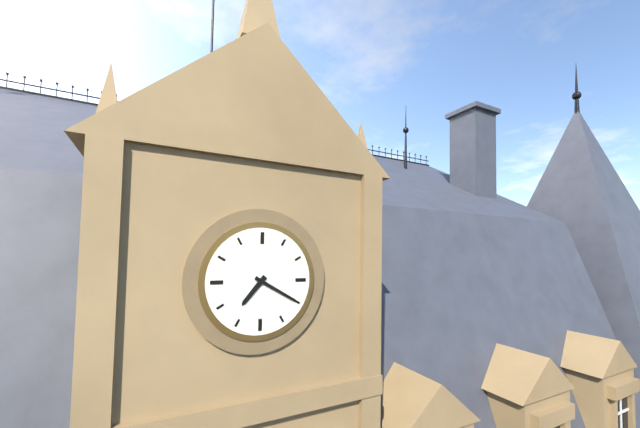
7:20
